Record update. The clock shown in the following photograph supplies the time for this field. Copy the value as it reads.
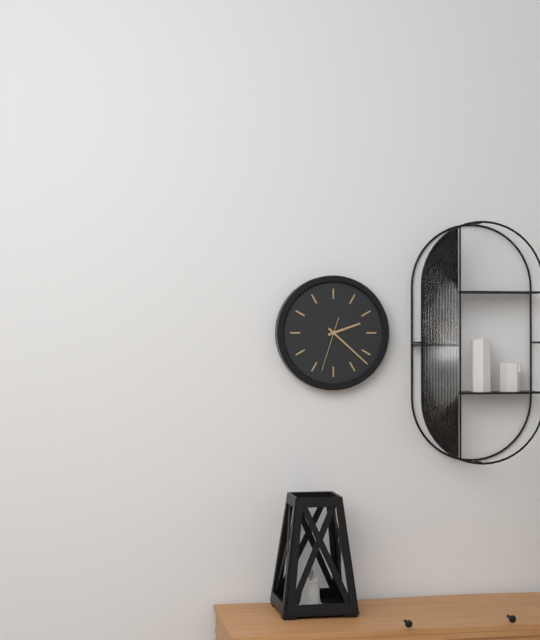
2:22:33
